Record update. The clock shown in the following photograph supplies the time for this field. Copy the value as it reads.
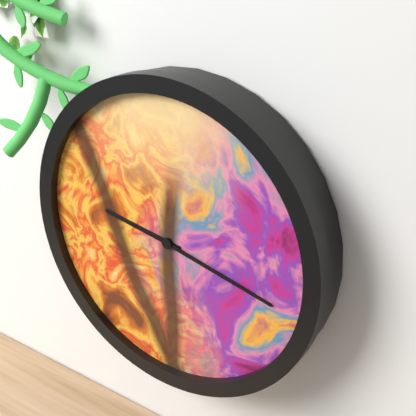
9:17
